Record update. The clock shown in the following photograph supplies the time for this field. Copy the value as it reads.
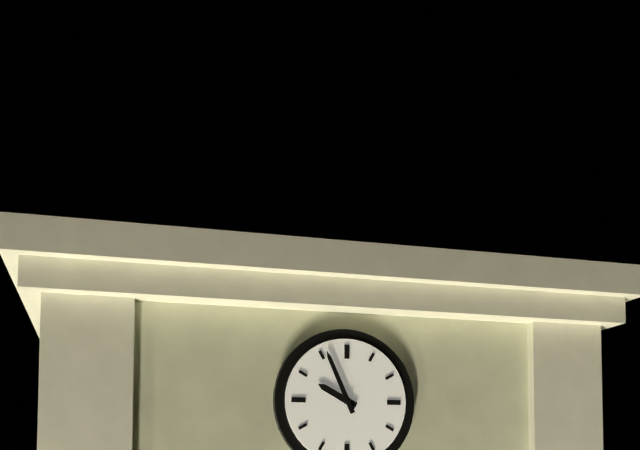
9:56
